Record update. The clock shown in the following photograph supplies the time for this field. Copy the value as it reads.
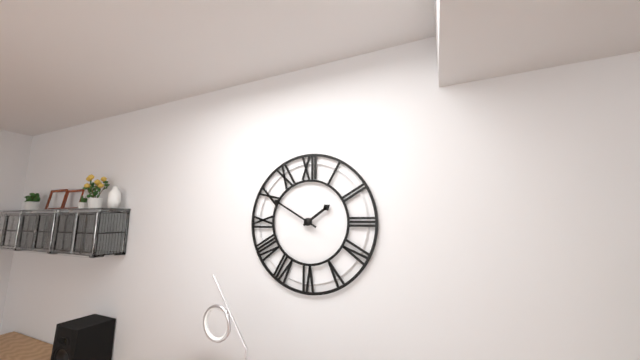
1:50
